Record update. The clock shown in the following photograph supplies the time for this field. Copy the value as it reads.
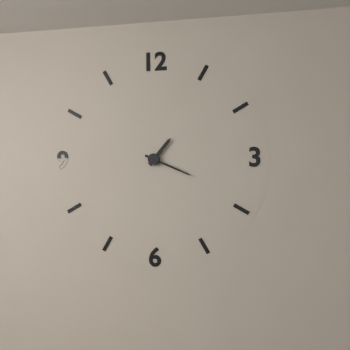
1:19
